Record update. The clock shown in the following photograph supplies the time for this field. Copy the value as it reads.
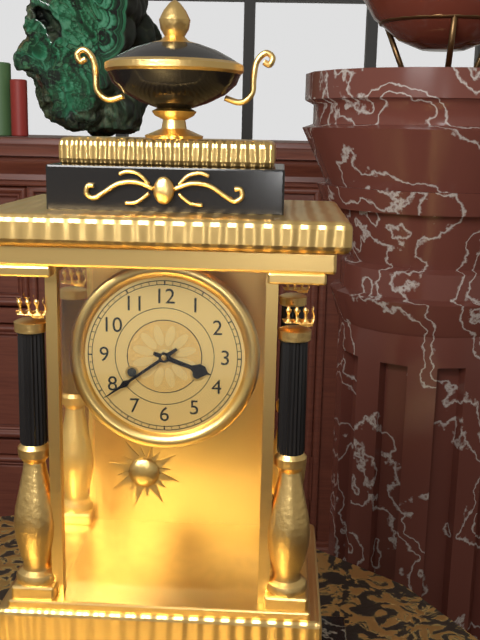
3:39
